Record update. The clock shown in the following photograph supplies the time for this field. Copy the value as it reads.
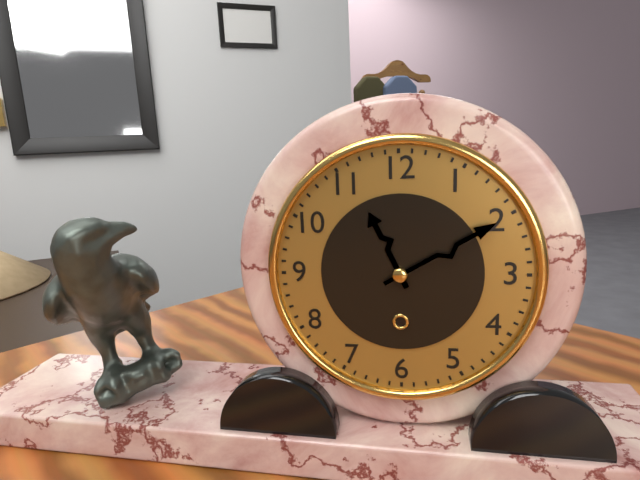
11:10
